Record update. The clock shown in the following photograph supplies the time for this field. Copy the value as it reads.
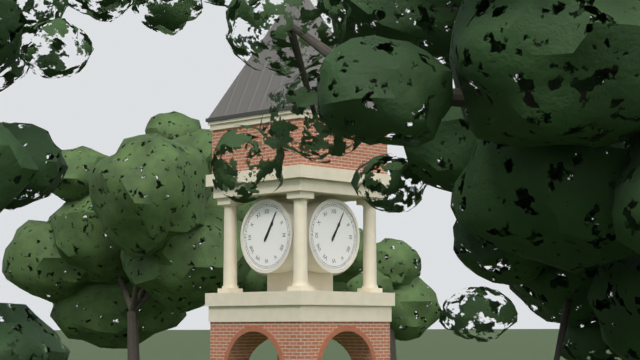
1:05
